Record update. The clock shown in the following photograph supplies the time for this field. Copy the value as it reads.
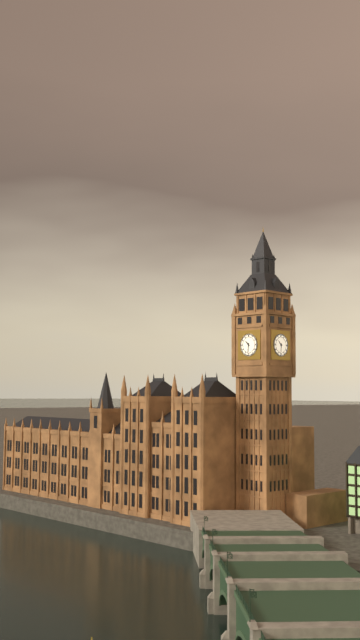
10:31
